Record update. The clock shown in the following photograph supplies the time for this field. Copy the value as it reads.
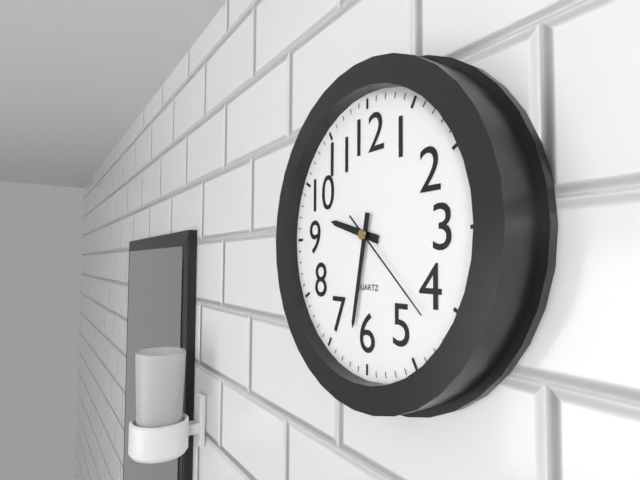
9:32:22
